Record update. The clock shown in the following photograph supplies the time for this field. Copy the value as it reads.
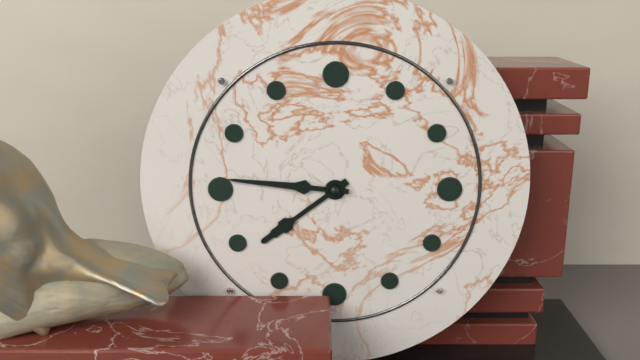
7:46
